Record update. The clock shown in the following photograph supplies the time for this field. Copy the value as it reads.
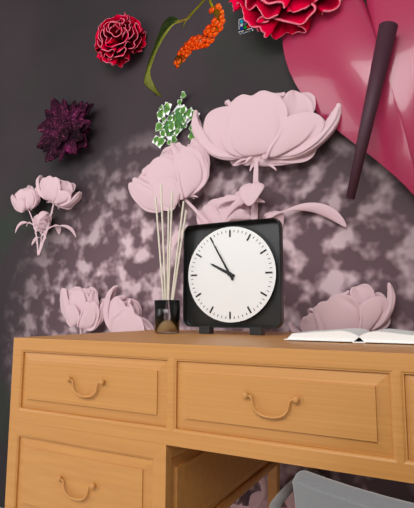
9:55
